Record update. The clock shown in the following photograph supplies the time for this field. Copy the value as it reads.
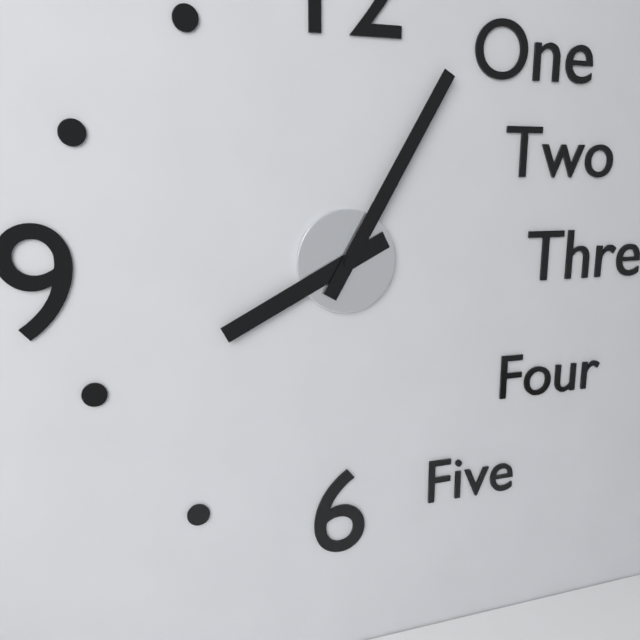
8:05
